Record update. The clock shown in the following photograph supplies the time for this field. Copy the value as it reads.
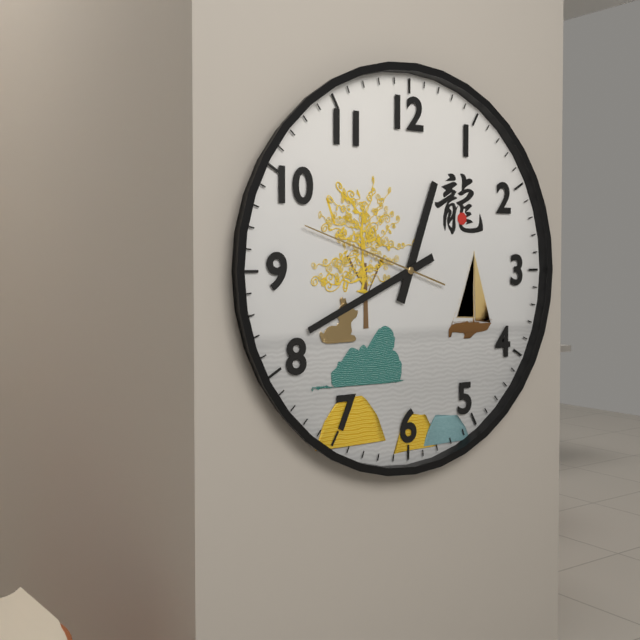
12:41:48
